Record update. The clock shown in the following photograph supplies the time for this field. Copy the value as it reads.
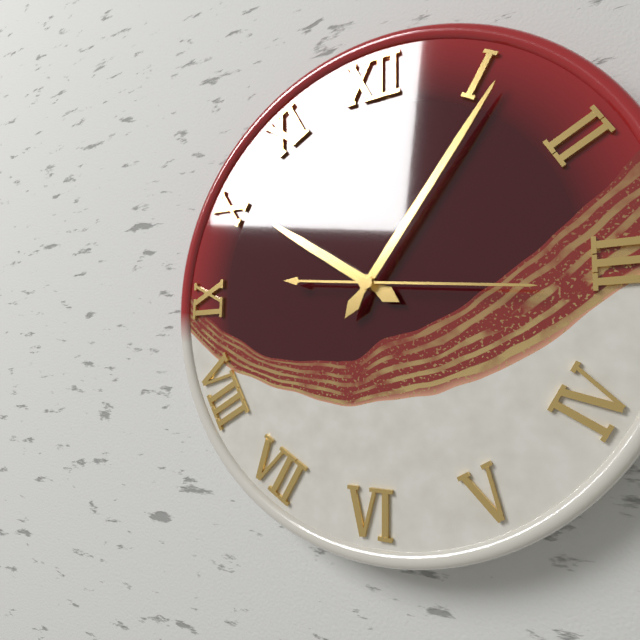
10:06:16
